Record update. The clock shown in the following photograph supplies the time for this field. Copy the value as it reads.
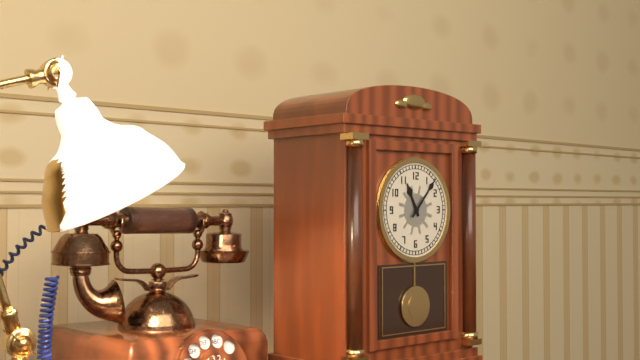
11:07
